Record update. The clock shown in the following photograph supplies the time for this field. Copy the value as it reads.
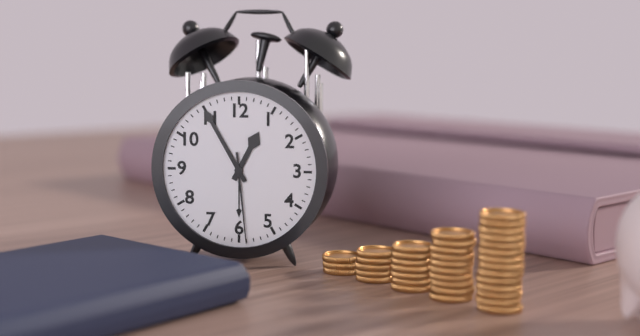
12:55:29
